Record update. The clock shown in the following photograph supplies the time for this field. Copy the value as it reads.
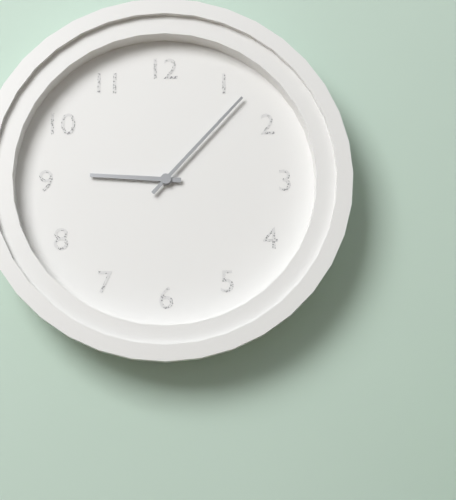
9:07
